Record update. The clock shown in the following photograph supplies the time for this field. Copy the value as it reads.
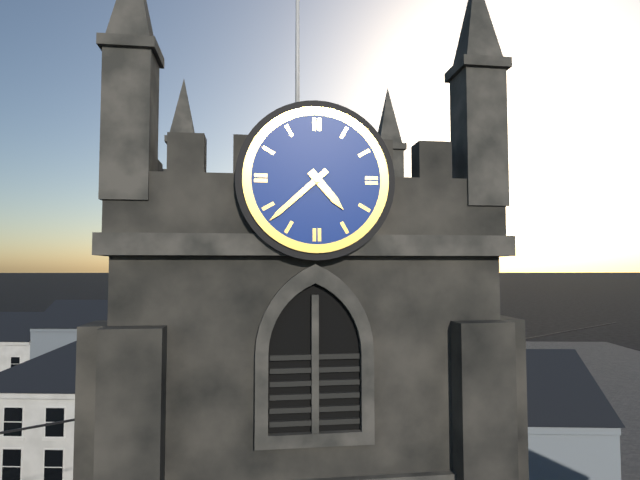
4:38
